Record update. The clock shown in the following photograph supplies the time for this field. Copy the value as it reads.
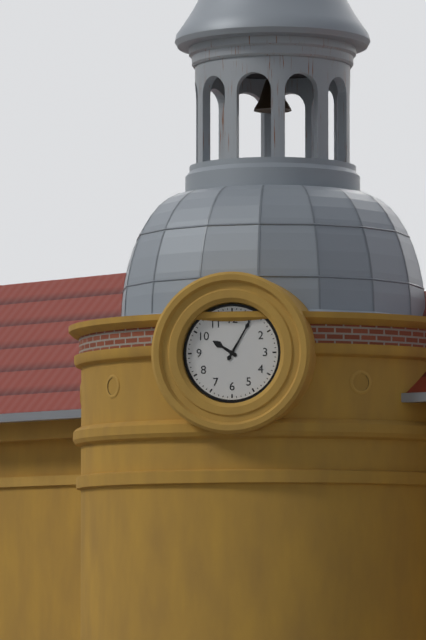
10:05
